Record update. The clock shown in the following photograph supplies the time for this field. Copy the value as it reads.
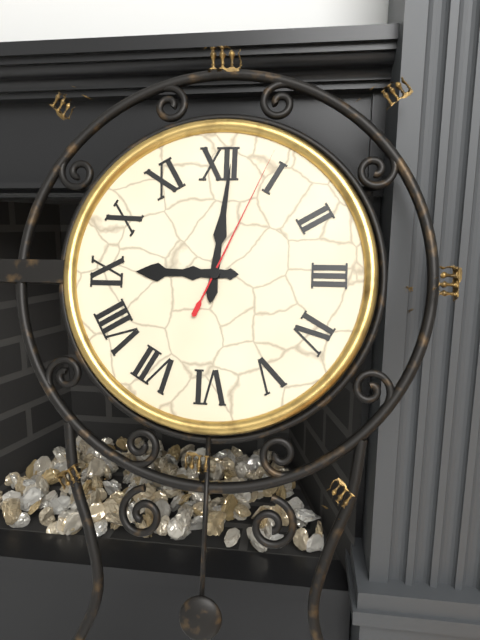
9:01:04
